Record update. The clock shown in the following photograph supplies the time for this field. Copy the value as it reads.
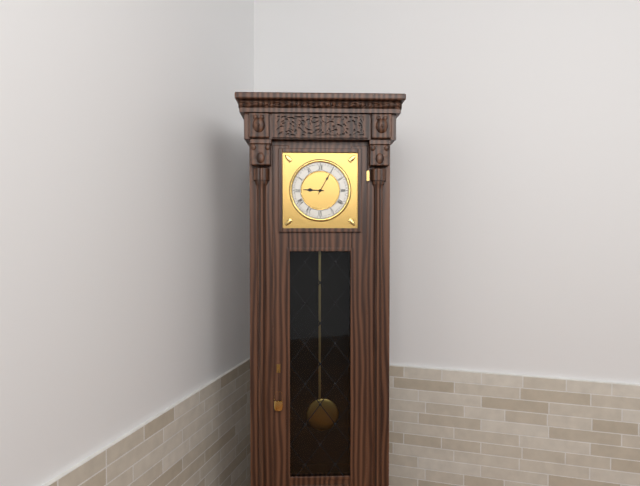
9:05
